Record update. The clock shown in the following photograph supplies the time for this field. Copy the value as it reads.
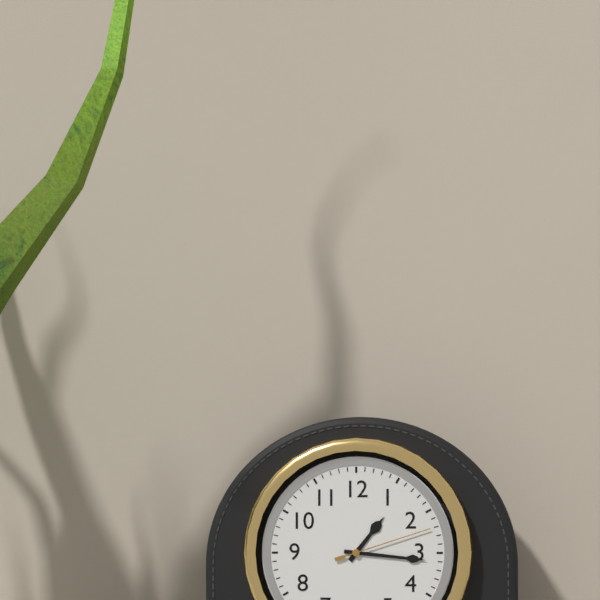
1:16:12
